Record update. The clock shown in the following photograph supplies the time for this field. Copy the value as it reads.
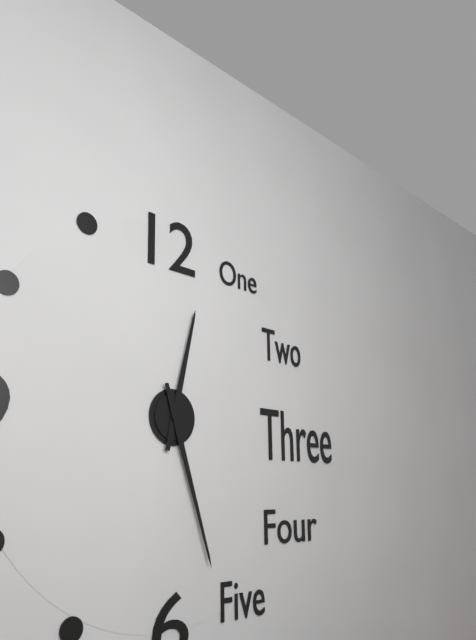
12:27
